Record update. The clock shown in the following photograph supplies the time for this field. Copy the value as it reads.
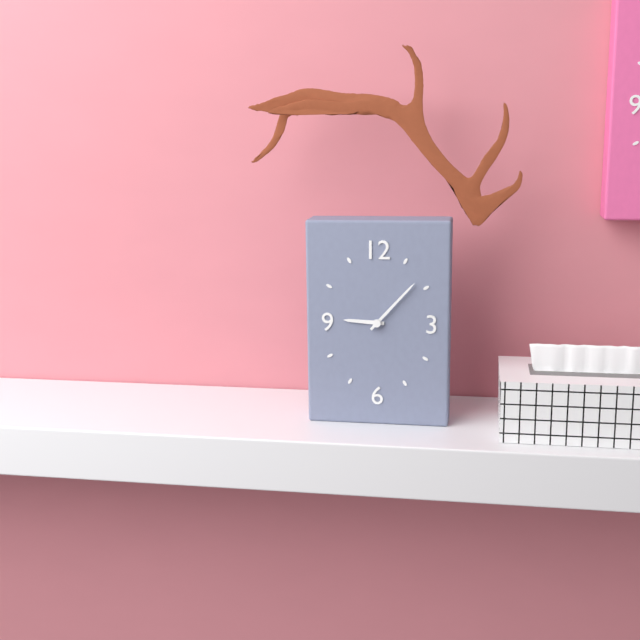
9:07
